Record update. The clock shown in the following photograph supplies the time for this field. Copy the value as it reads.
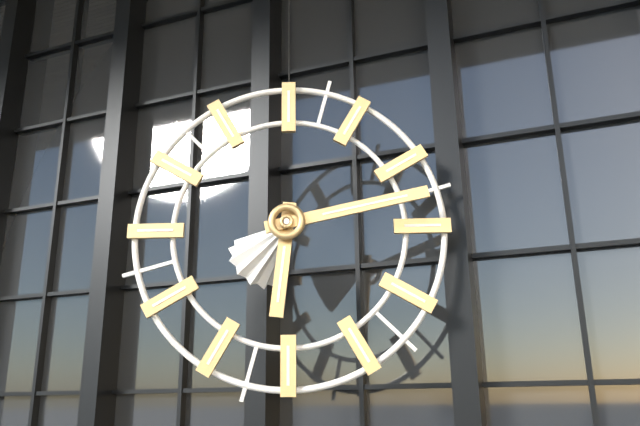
6:13
